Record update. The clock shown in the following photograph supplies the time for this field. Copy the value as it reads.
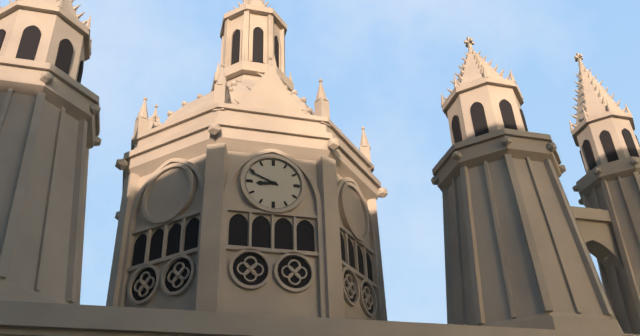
8:49
